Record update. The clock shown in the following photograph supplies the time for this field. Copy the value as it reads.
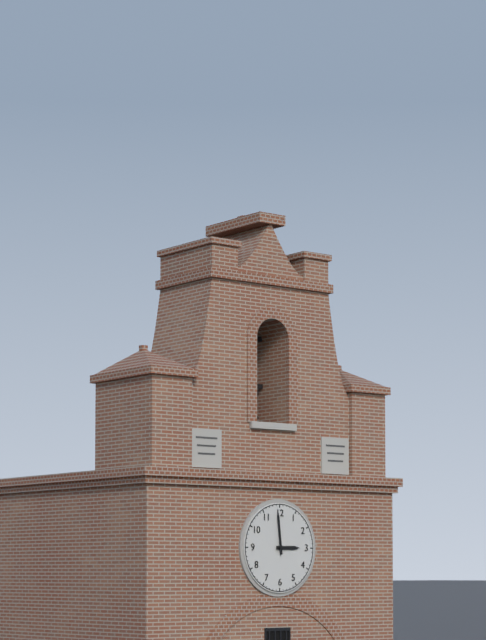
2:59
